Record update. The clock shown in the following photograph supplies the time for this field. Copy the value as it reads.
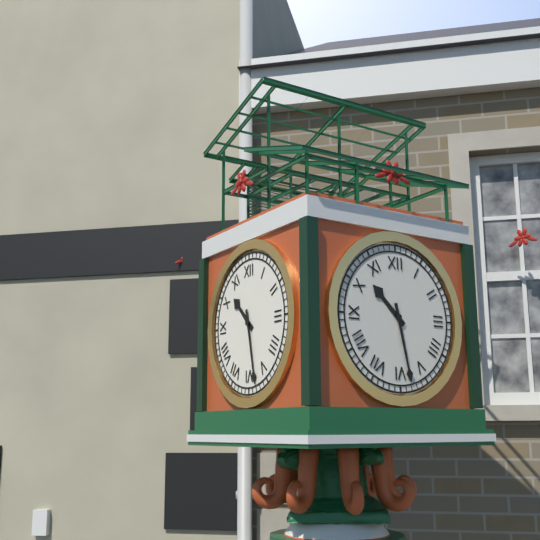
10:28
